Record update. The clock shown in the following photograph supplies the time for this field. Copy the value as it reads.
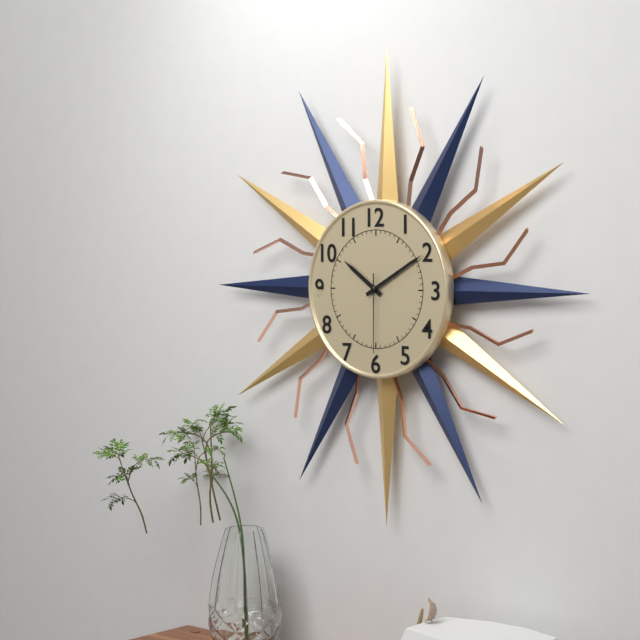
10:10:30
